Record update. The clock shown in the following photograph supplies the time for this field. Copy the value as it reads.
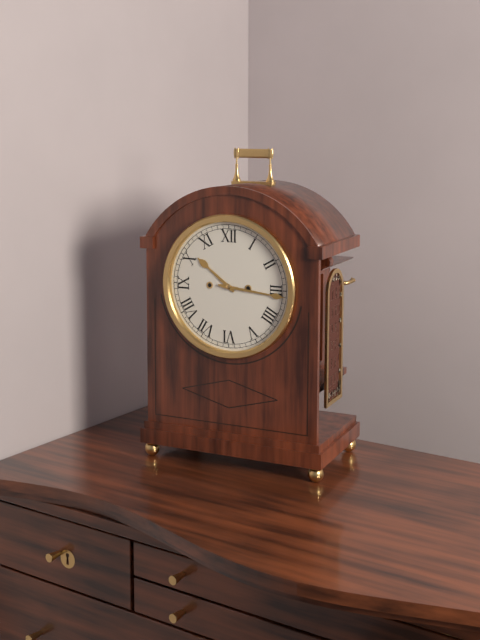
10:16
